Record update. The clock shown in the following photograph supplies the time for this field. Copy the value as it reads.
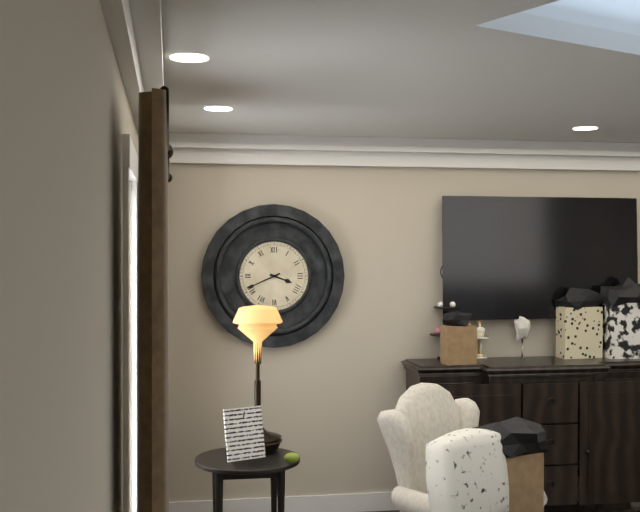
3:41
